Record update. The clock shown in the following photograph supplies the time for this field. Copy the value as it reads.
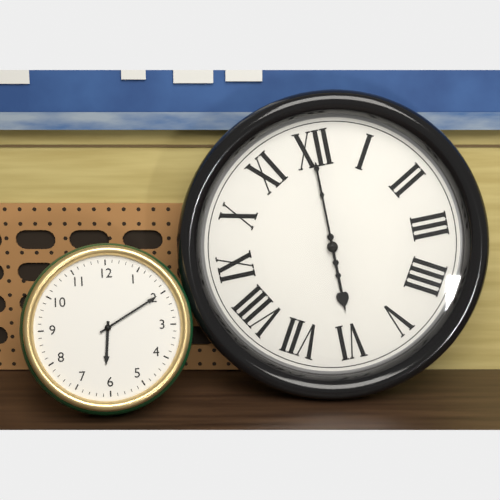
6:00
